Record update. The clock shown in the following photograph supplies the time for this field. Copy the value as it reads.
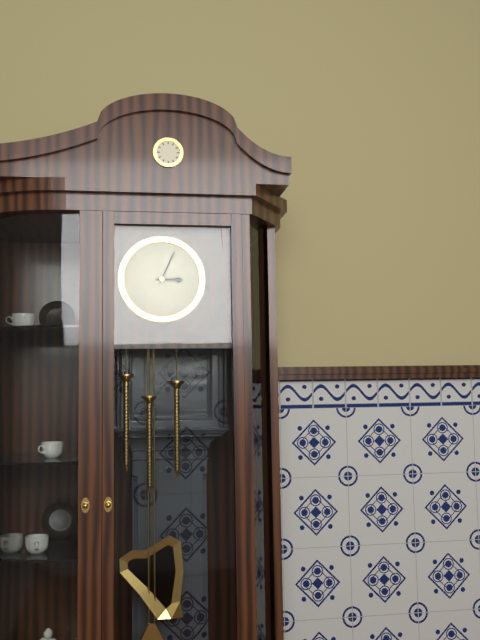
3:04
